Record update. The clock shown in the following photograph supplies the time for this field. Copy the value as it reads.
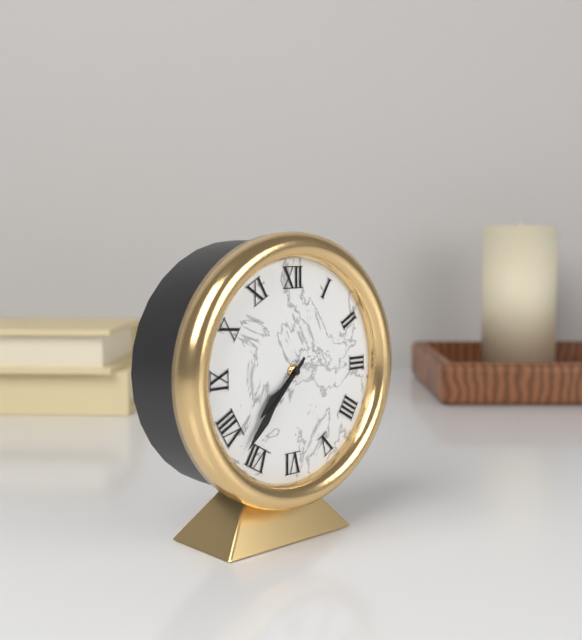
7:37
